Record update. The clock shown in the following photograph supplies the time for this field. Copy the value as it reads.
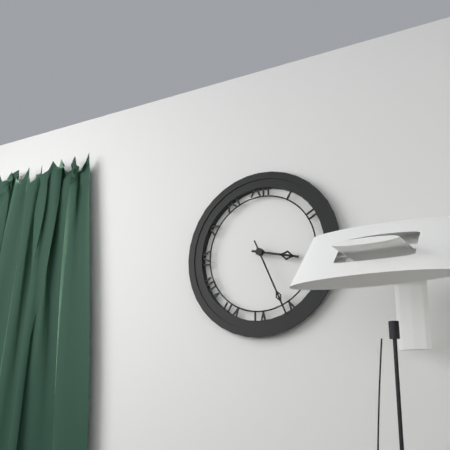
3:26
